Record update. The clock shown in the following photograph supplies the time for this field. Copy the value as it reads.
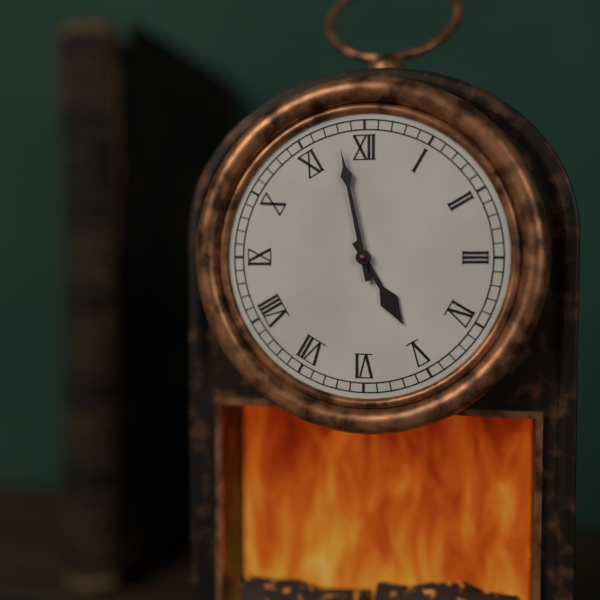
4:58
